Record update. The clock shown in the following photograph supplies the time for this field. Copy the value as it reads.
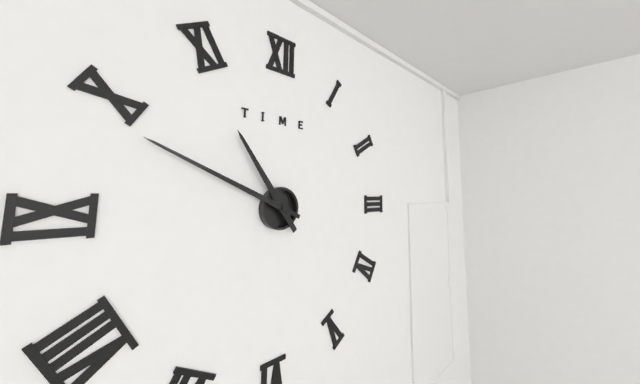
10:49
